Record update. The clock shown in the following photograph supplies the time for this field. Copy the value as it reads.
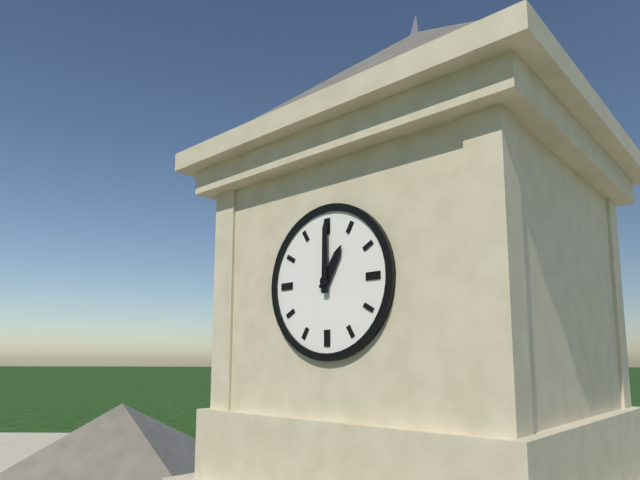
1:00
